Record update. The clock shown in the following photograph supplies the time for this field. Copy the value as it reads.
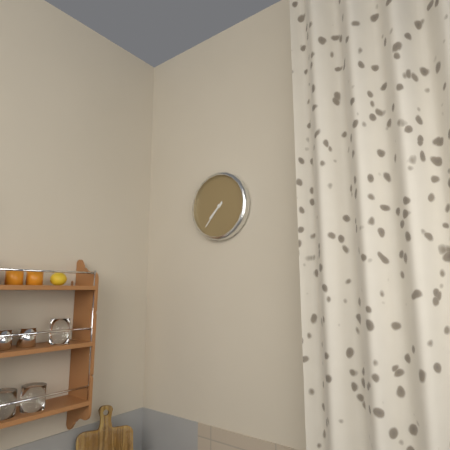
7:37
